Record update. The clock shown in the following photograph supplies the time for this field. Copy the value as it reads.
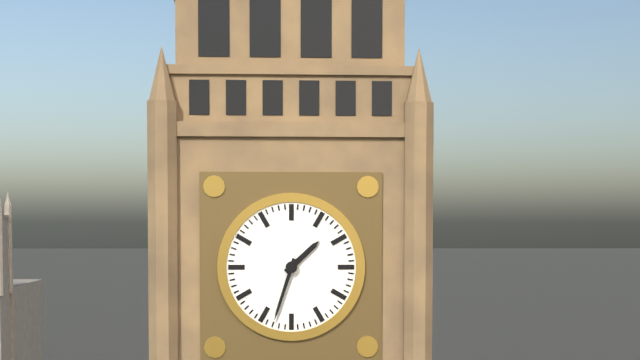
1:33
